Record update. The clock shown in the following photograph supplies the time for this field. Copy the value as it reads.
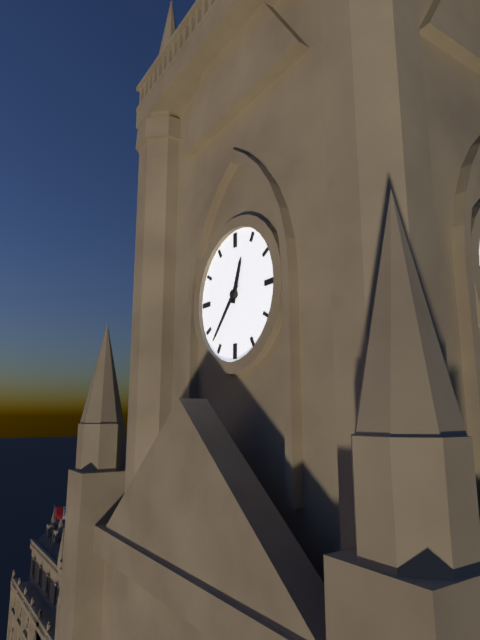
12:37
